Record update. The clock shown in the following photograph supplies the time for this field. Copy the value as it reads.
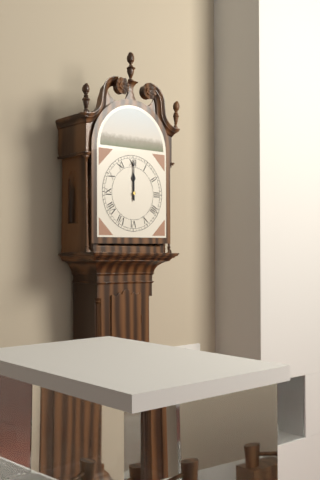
12:00
